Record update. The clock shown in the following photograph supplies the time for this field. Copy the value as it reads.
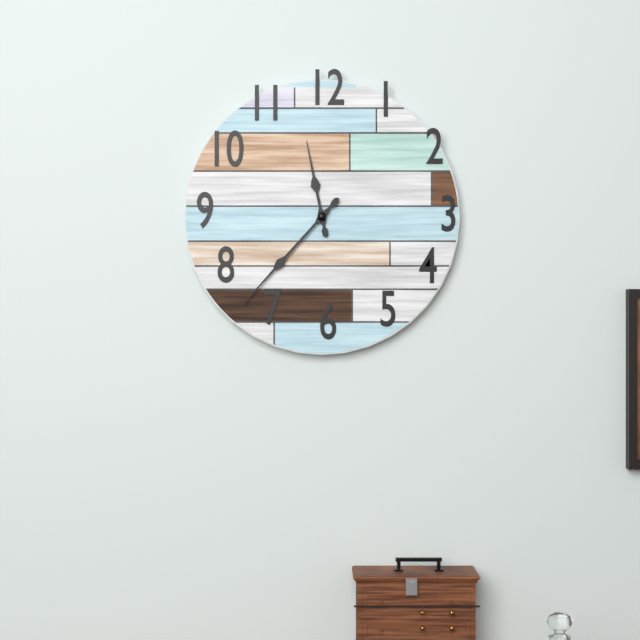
11:37
